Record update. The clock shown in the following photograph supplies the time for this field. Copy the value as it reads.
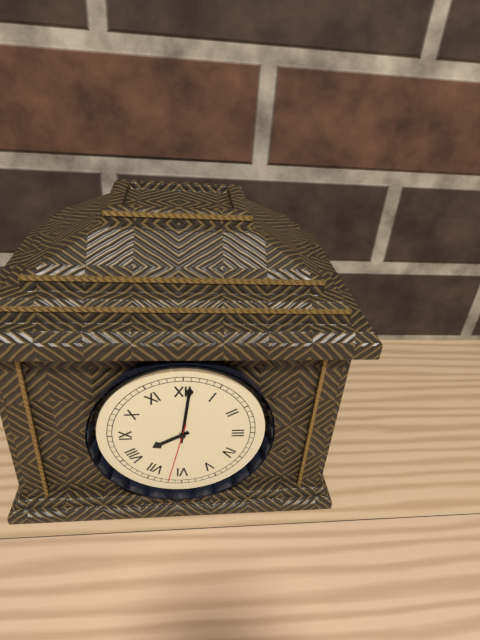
8:01:32
